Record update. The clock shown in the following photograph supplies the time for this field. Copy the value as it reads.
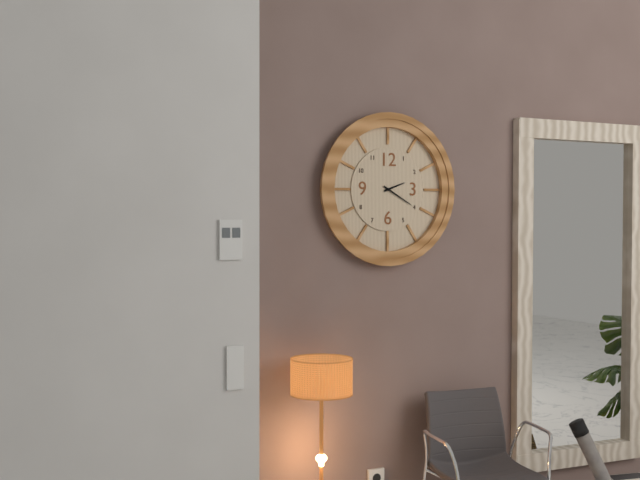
2:20
